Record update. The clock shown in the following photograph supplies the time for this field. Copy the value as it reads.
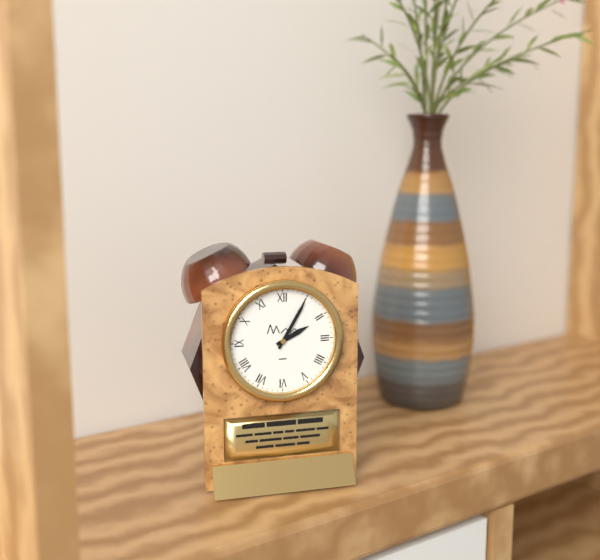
2:05
